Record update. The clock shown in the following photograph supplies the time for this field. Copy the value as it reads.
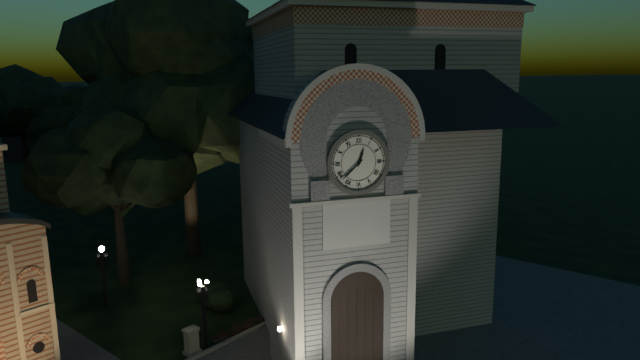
12:38
